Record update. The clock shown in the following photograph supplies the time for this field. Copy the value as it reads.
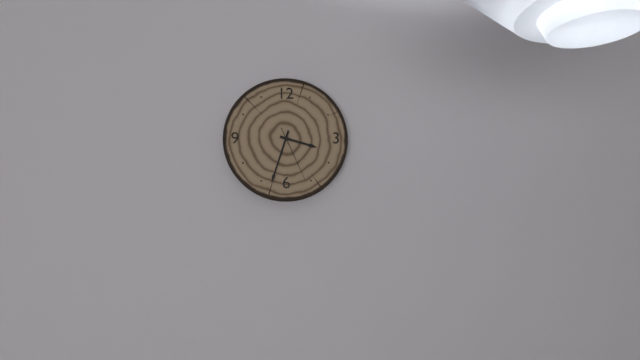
3:33:26
